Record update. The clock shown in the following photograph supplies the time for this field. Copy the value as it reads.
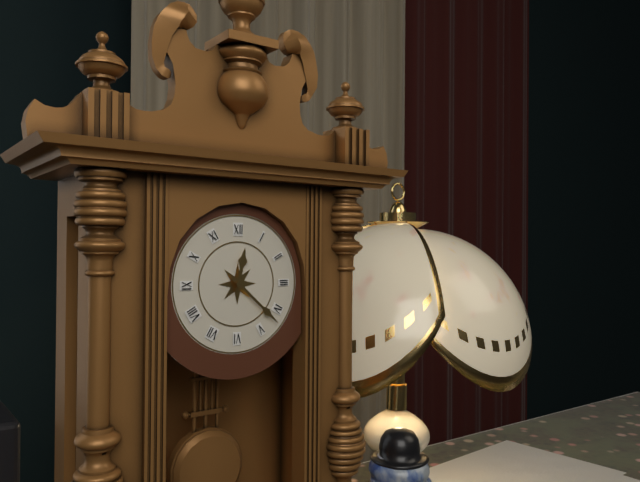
12:22
